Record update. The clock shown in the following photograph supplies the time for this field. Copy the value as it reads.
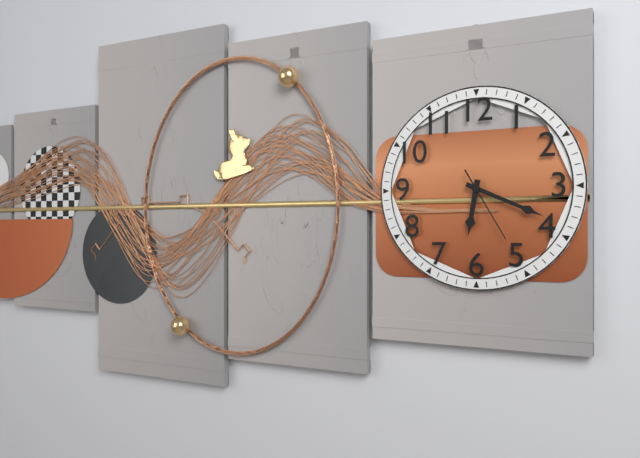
6:19:25
